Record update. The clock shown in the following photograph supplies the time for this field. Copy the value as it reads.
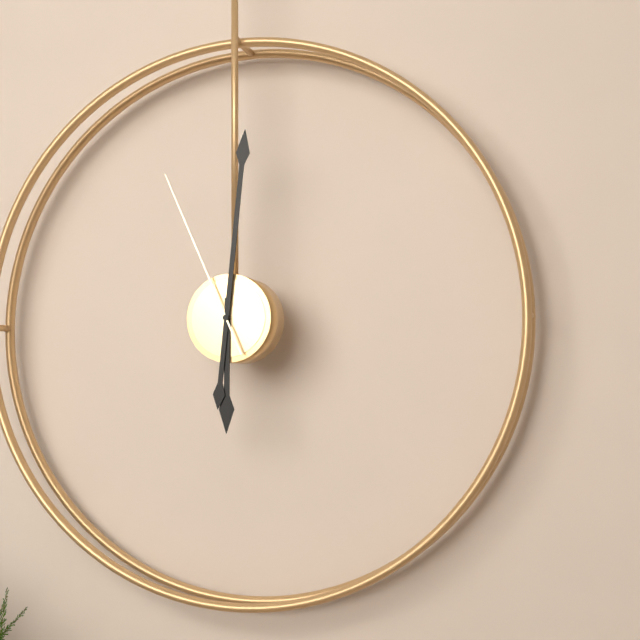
6:01:56
